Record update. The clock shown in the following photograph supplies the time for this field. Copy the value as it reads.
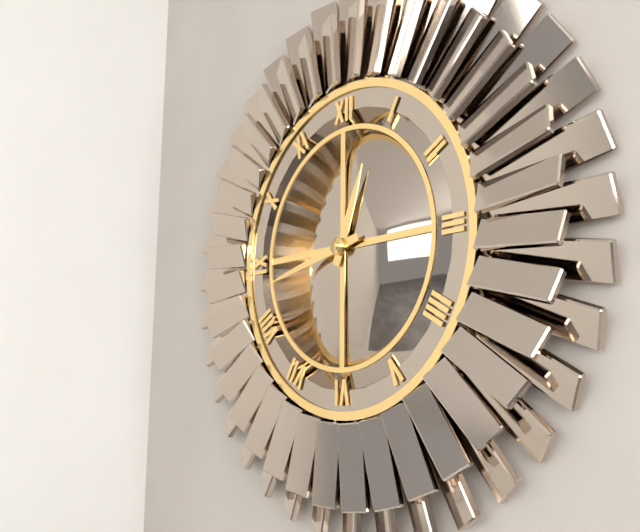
12:43
